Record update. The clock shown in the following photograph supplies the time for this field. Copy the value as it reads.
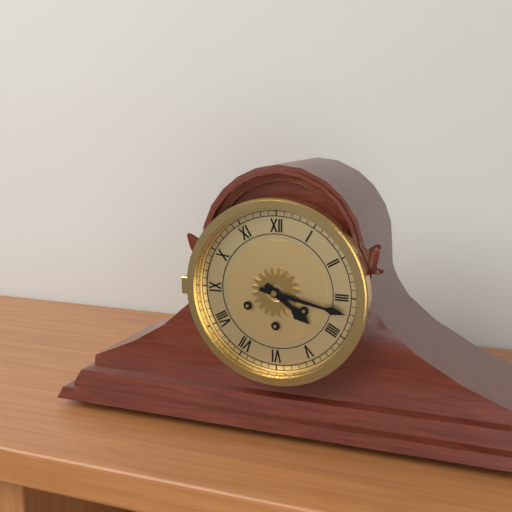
4:17
